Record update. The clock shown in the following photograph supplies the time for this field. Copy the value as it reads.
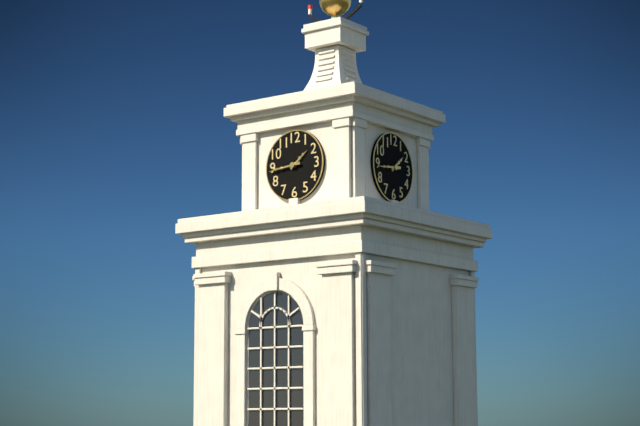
1:44
